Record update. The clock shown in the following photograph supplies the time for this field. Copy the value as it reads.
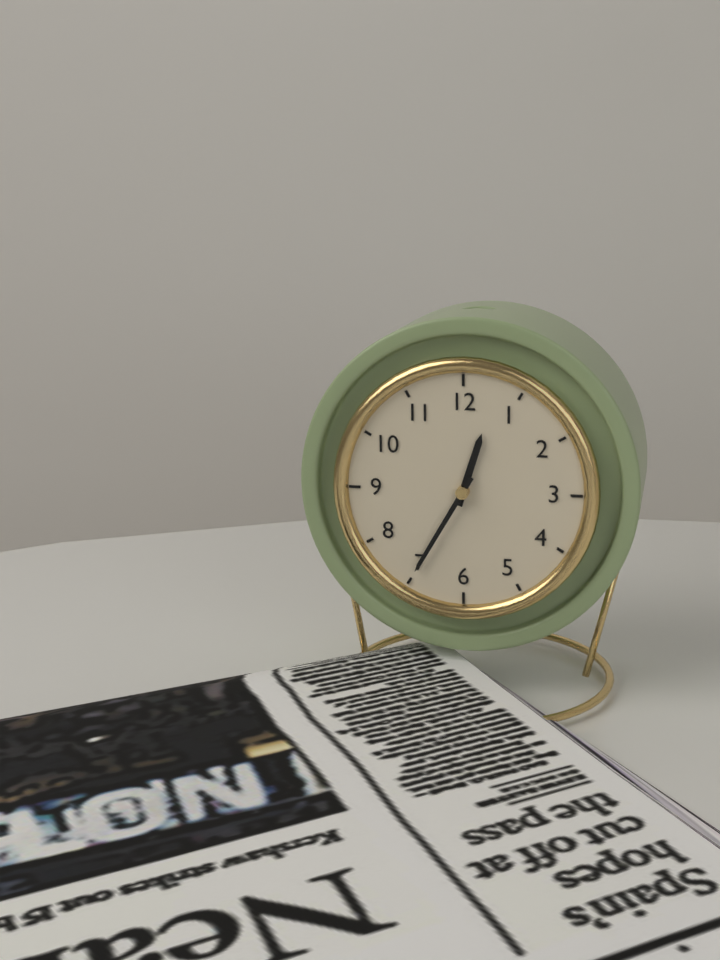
12:35
